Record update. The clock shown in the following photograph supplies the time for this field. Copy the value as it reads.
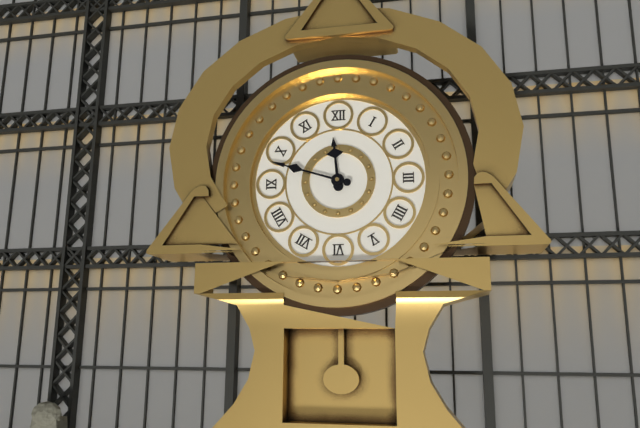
11:48
